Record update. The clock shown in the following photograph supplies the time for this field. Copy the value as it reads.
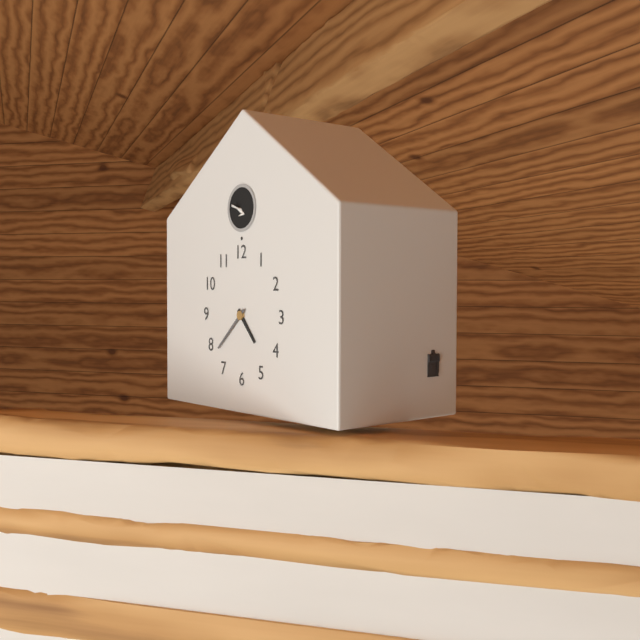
4:38
